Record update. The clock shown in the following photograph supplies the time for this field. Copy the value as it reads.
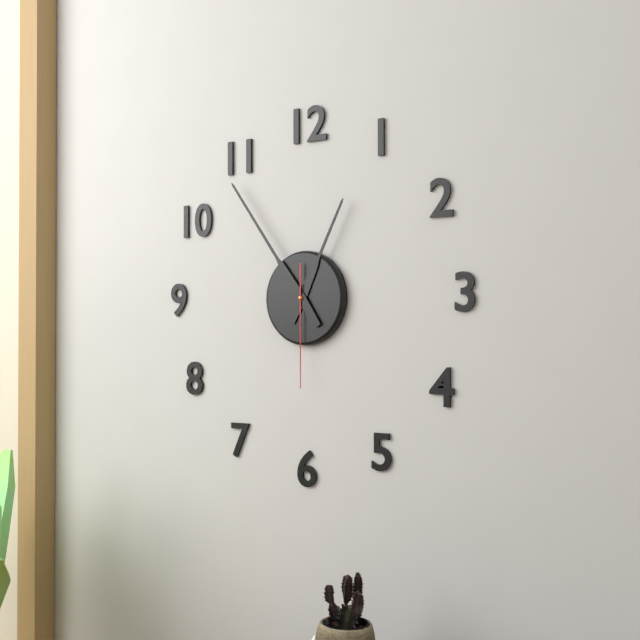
12:54:30
